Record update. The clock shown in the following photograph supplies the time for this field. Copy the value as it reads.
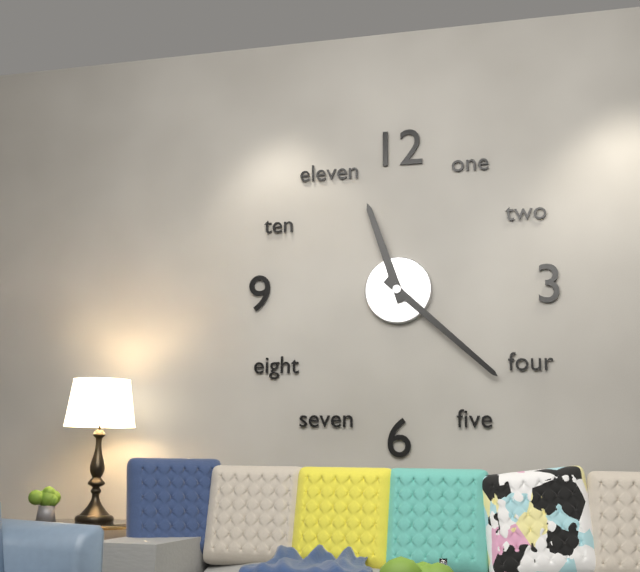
11:22
